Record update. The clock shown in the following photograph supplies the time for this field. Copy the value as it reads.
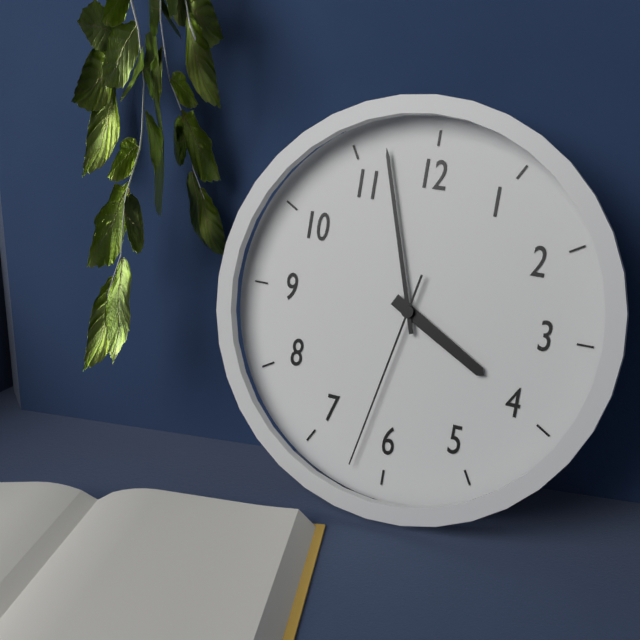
3:57:32
